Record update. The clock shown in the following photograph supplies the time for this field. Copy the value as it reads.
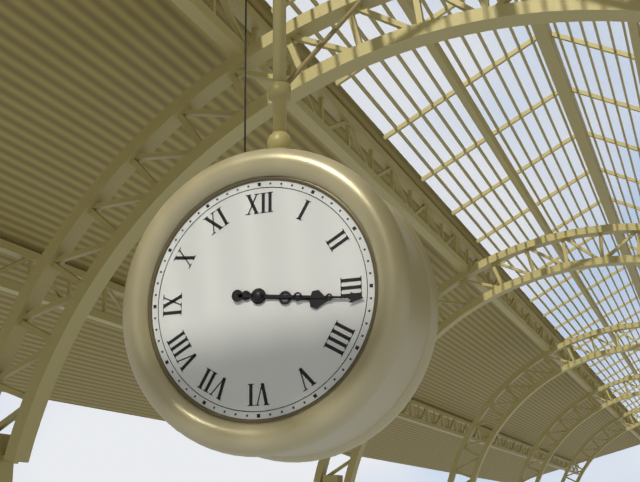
3:16
